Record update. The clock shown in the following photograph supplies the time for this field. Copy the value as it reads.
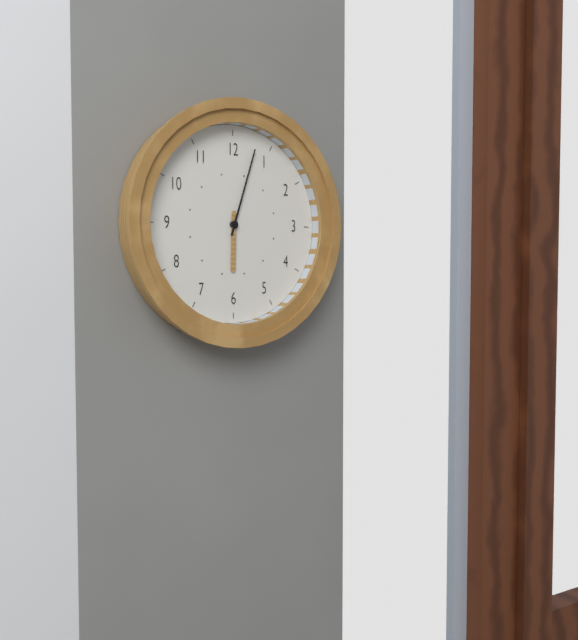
6:03
